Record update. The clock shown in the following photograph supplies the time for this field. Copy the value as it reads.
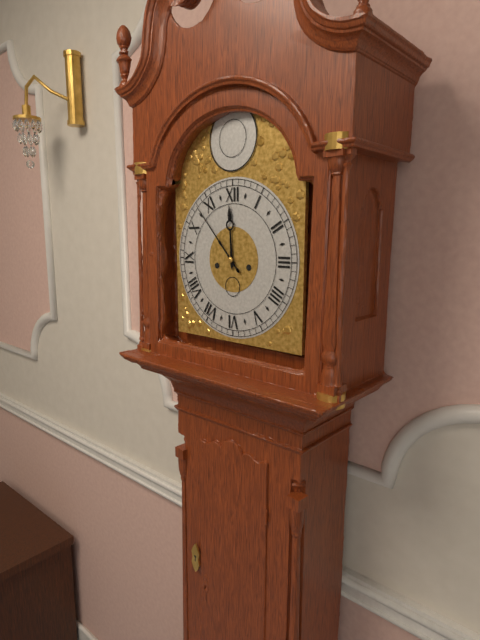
11:53
